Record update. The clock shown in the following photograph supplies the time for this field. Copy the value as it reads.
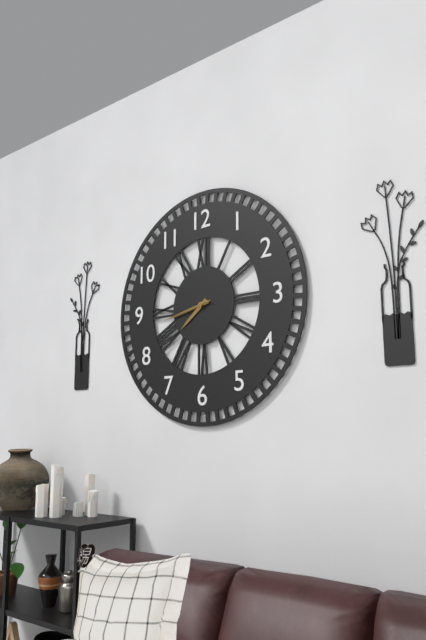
7:43
